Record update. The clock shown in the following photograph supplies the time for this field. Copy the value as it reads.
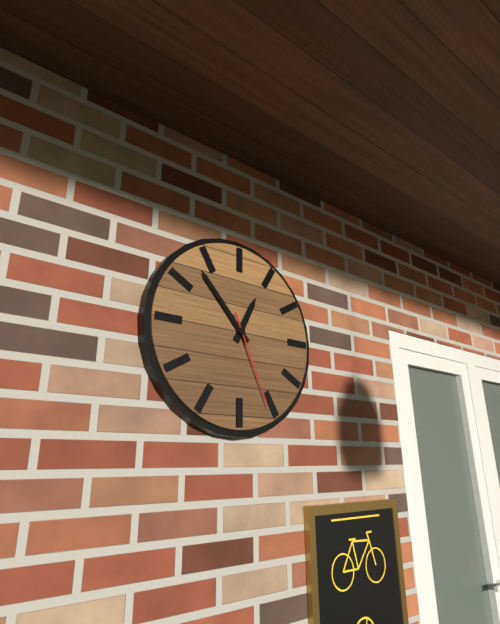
12:53:26
